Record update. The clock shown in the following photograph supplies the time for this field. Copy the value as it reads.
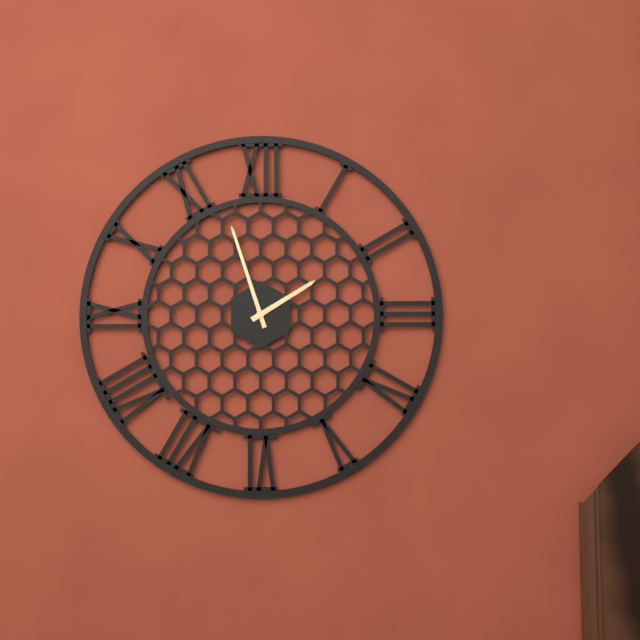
1:57
